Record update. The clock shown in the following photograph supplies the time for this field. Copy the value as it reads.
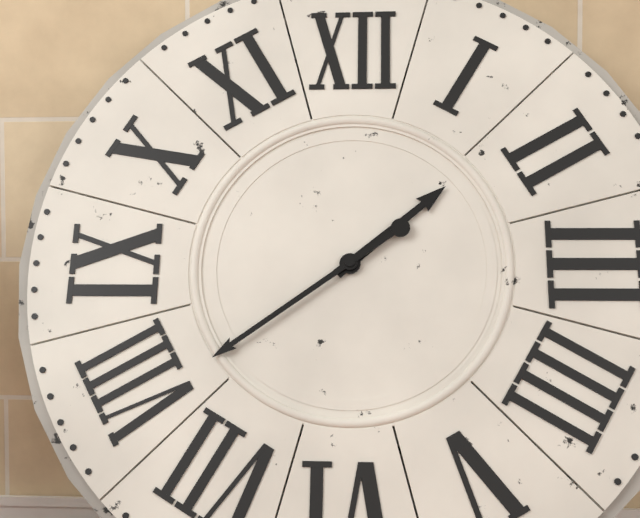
1:39
